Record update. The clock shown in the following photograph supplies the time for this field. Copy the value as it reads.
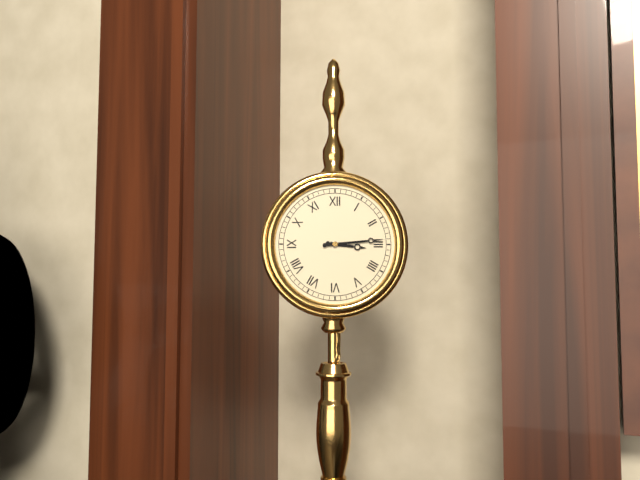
3:14
